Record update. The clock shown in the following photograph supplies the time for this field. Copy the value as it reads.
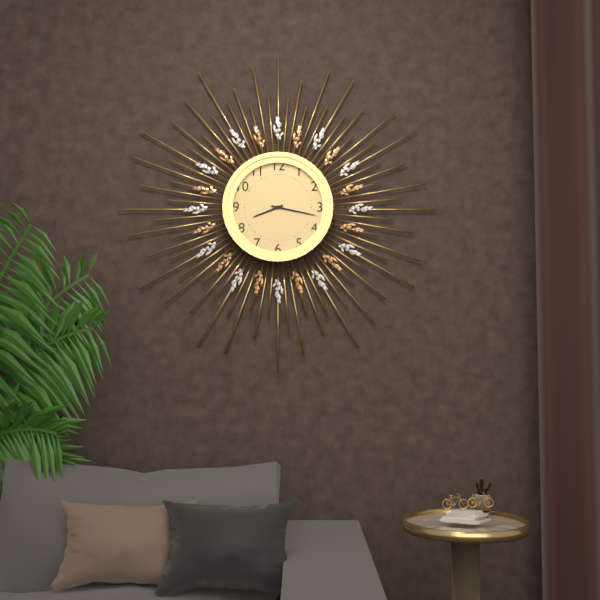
8:17
